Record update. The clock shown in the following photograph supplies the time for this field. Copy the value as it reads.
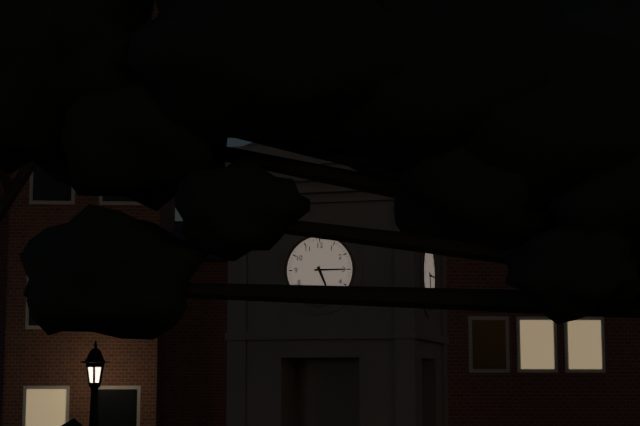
5:15
